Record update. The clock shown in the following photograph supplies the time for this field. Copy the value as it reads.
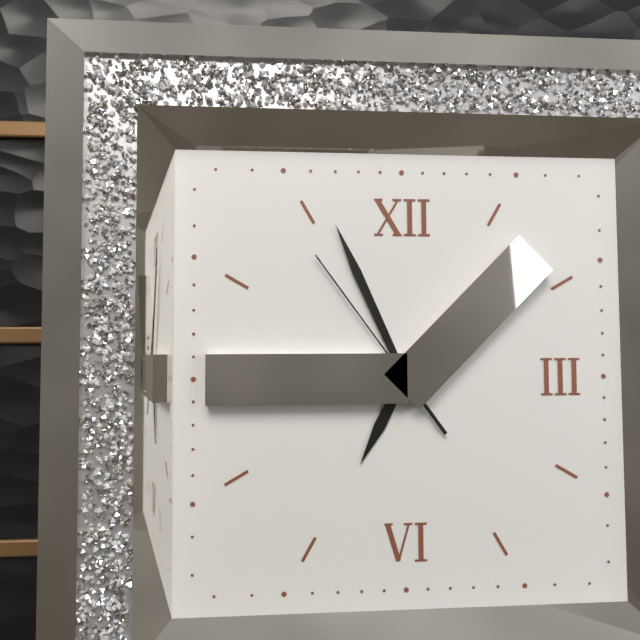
6:56:54
